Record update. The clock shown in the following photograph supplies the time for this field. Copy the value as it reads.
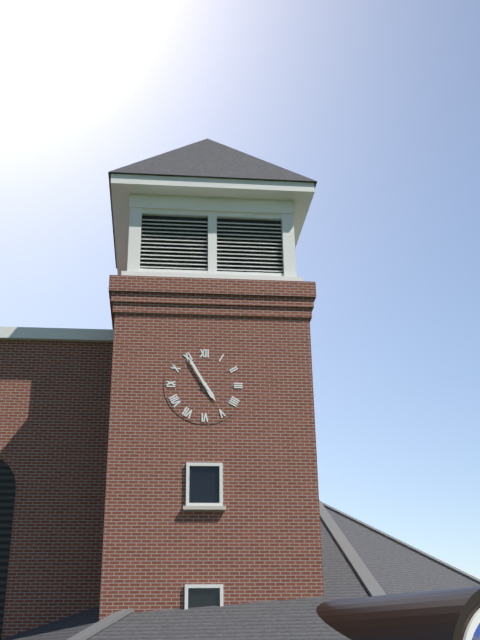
4:55
